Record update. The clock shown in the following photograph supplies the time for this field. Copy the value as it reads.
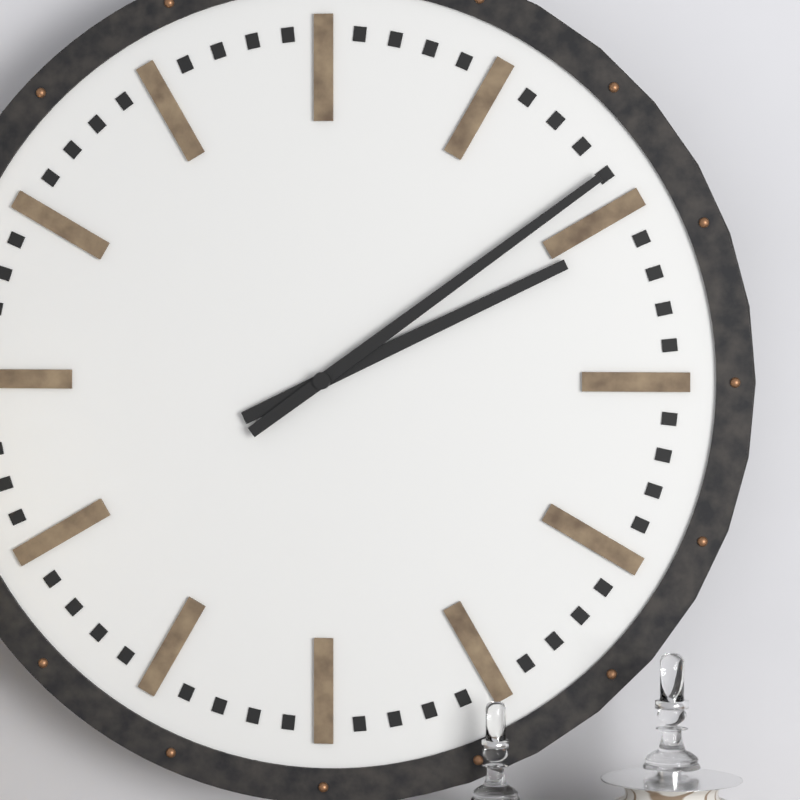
2:09
